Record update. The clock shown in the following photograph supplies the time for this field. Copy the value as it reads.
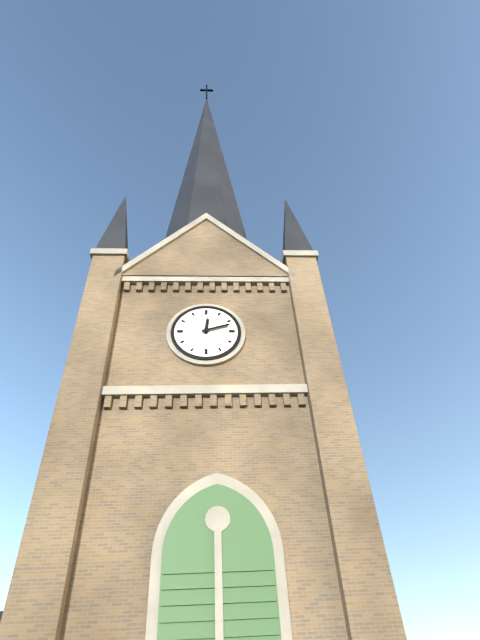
12:12
